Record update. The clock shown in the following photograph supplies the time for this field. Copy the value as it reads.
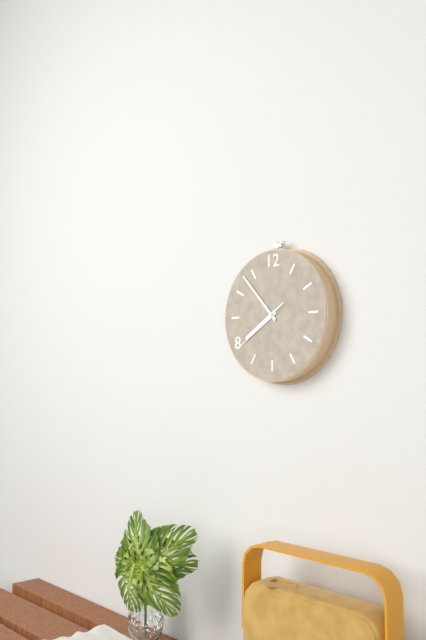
7:53:39
